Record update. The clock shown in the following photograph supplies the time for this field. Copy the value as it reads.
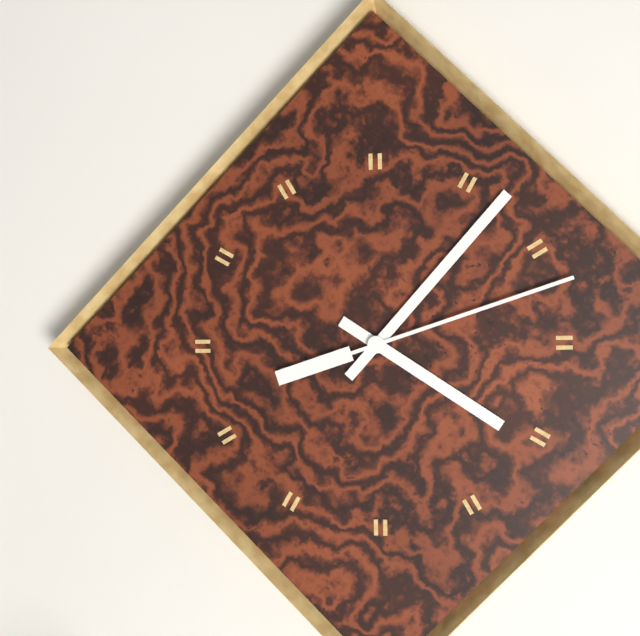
4:07:12
